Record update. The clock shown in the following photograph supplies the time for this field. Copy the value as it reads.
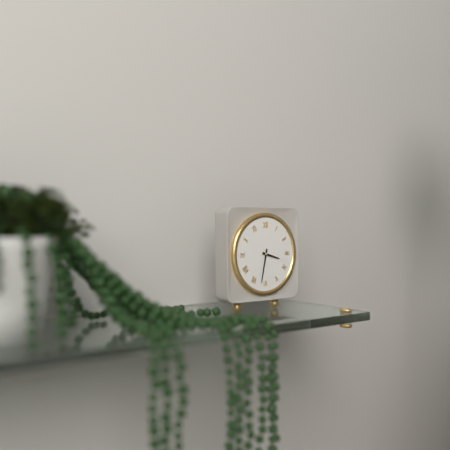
3:32
